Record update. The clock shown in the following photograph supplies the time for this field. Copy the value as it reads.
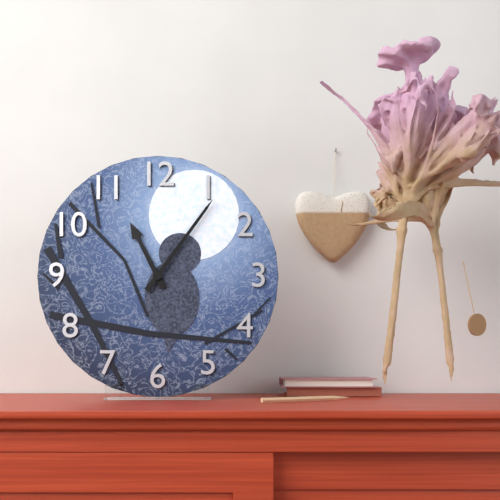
11:06
